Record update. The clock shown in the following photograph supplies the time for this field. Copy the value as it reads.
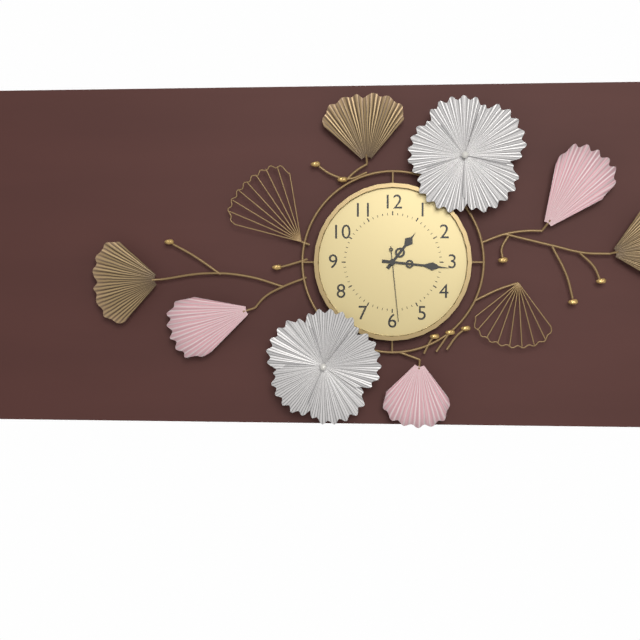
1:16:29
